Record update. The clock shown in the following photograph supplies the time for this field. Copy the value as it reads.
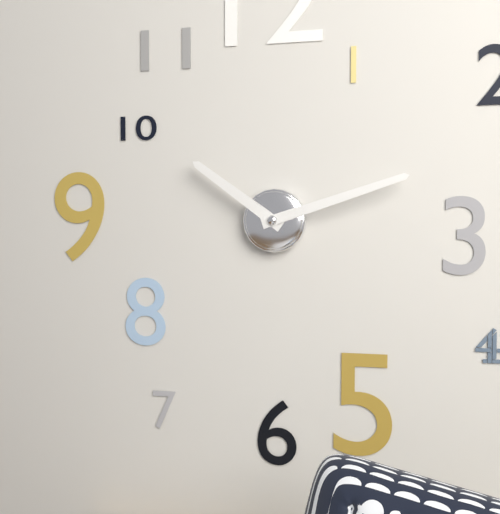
10:12
